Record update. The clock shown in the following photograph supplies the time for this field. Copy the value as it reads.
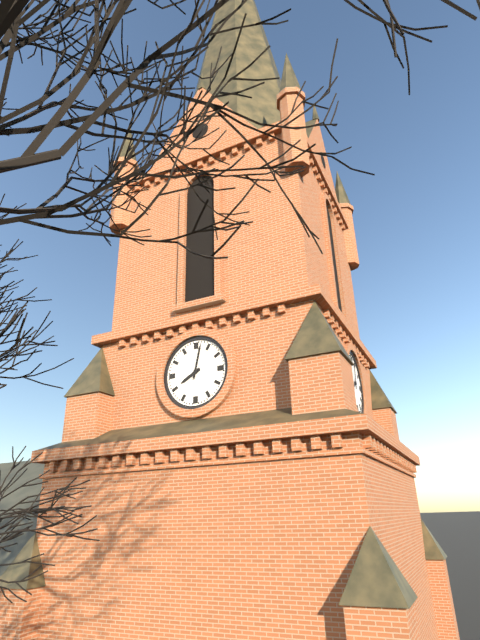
8:02
